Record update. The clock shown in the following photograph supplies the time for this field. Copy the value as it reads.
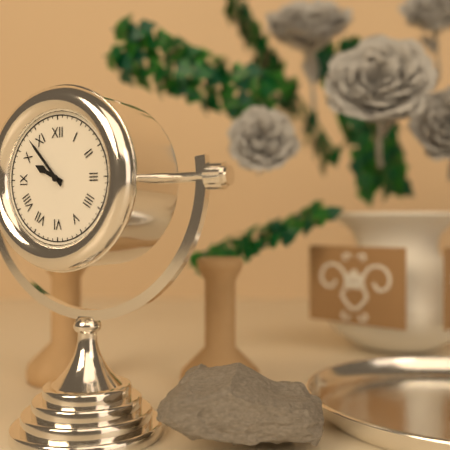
9:53
